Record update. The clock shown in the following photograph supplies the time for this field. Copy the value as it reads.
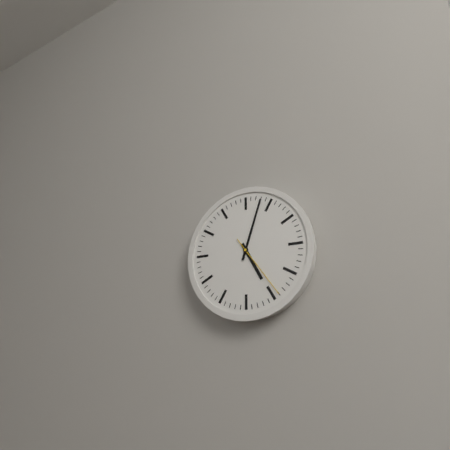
5:03:24
